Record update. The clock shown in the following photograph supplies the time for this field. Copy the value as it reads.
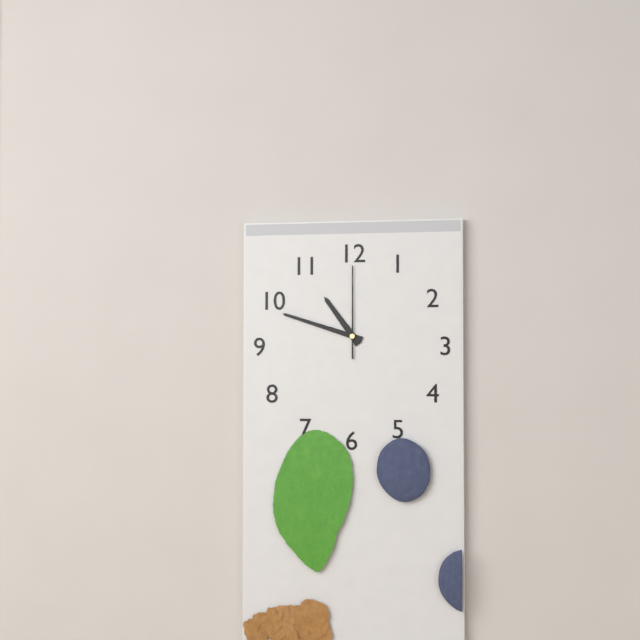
10:48:00
